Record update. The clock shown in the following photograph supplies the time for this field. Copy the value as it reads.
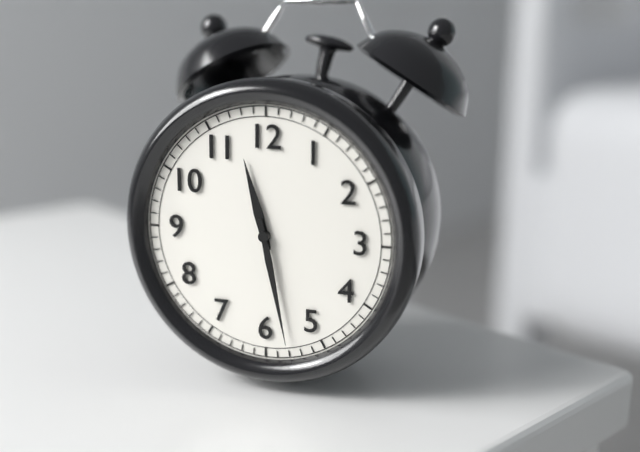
11:28
